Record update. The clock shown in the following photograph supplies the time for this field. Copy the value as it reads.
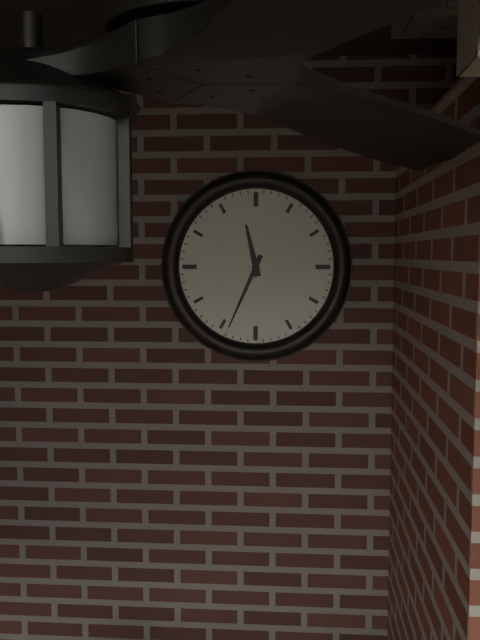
11:34
